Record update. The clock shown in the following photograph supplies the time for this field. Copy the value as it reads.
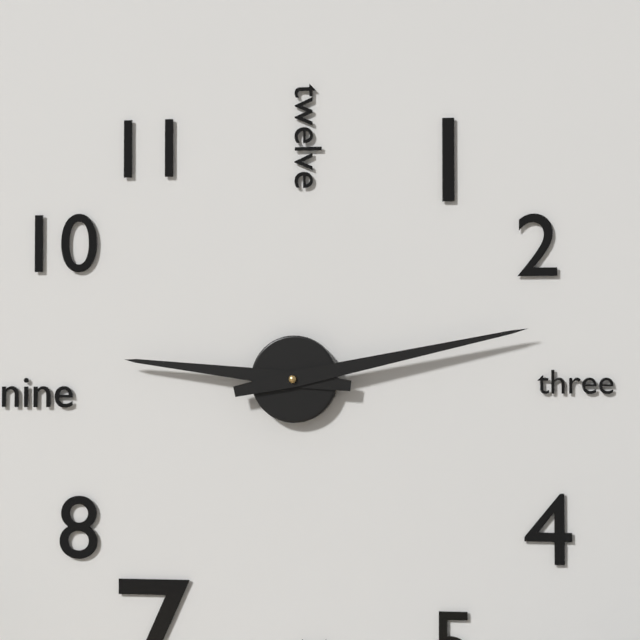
9:13
